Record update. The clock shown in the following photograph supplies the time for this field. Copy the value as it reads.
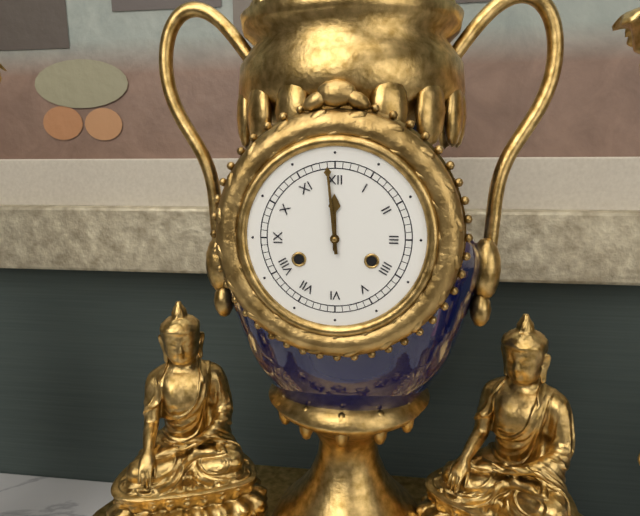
11:59
